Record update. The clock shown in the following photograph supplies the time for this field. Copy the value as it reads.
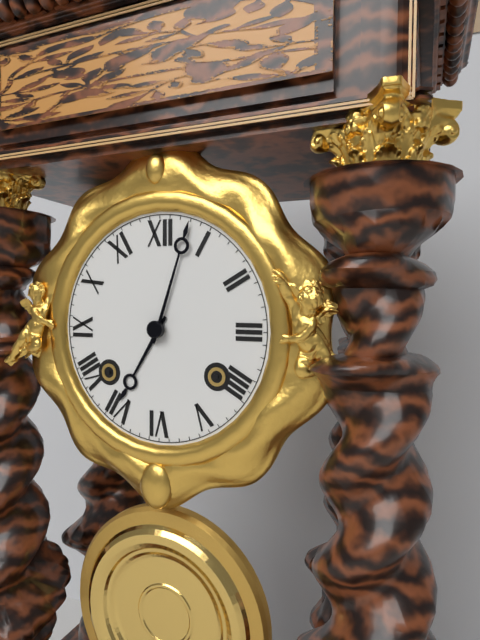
7:03
